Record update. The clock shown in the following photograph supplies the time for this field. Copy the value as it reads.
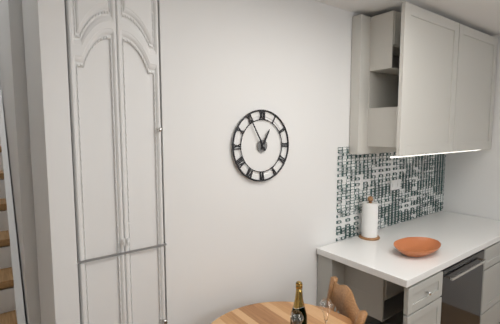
12:55
